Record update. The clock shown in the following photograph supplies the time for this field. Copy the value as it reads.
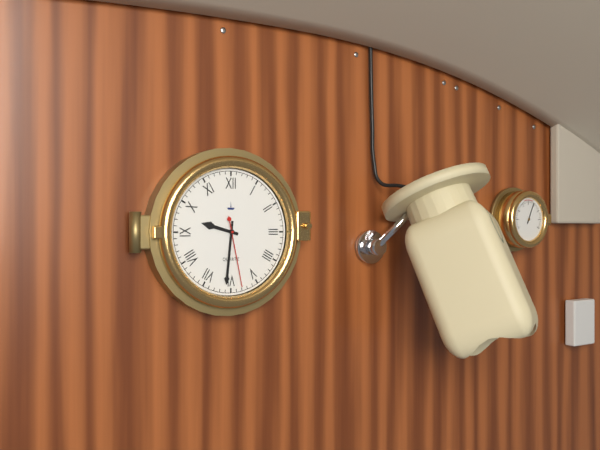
9:31:28
